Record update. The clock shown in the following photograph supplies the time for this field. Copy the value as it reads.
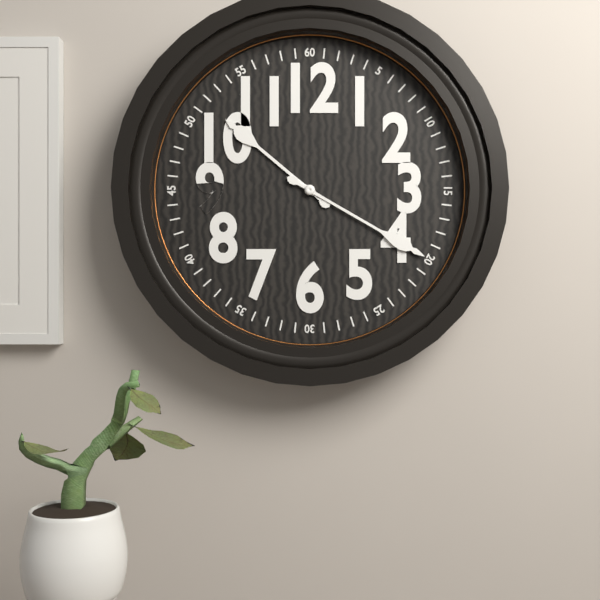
10:20
